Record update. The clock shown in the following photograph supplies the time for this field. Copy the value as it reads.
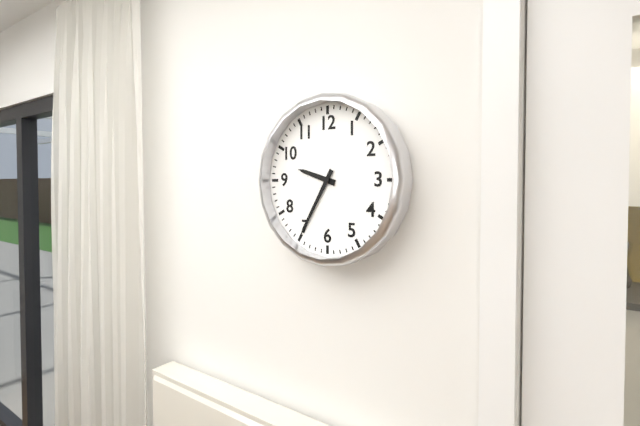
9:35
